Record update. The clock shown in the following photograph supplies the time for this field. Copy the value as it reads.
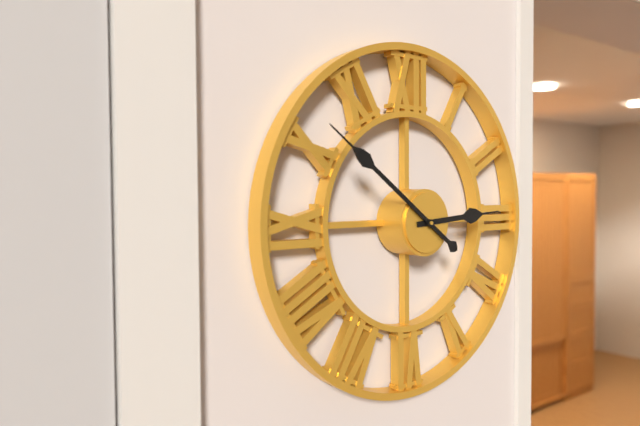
2:51
